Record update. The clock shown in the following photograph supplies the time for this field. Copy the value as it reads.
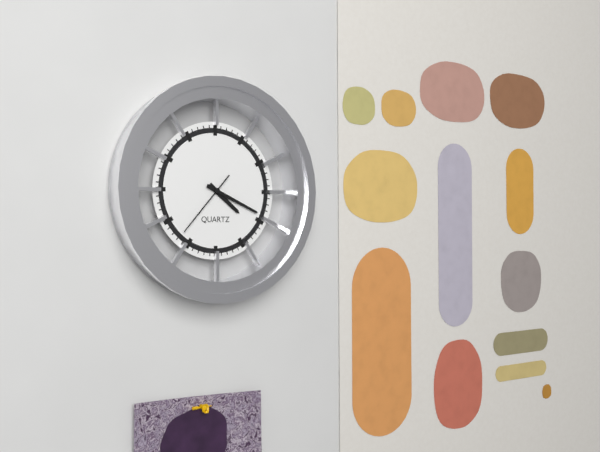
4:19:37
